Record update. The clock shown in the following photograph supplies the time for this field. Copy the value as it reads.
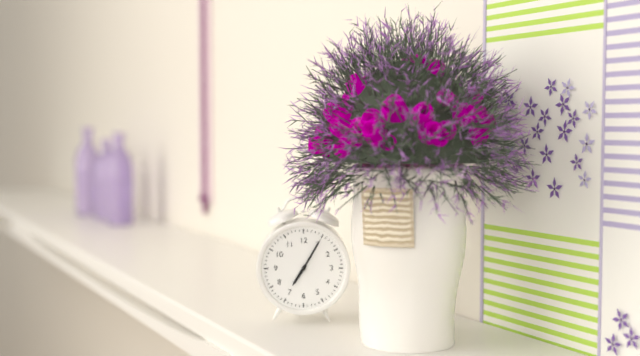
7:05
